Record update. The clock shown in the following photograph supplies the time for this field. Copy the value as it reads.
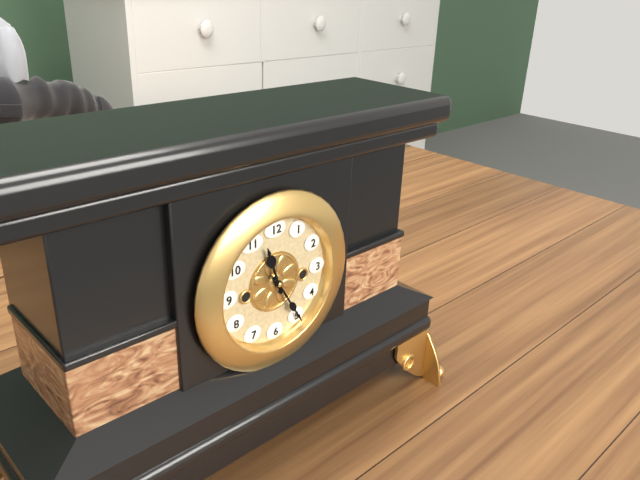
11:25
